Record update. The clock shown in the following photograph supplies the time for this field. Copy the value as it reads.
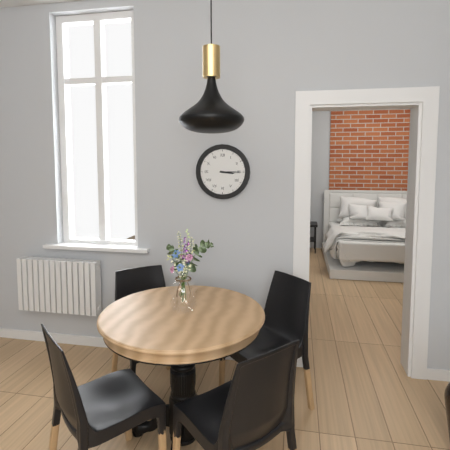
3:15
